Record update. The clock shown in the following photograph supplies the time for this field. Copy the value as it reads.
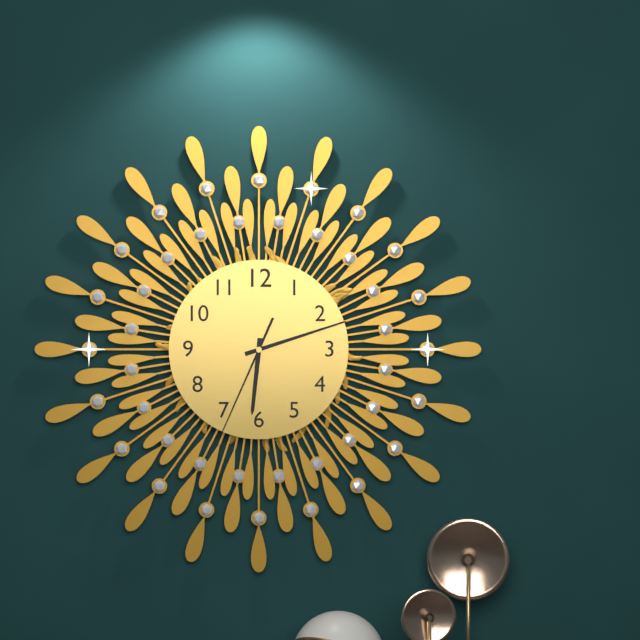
6:12:34
